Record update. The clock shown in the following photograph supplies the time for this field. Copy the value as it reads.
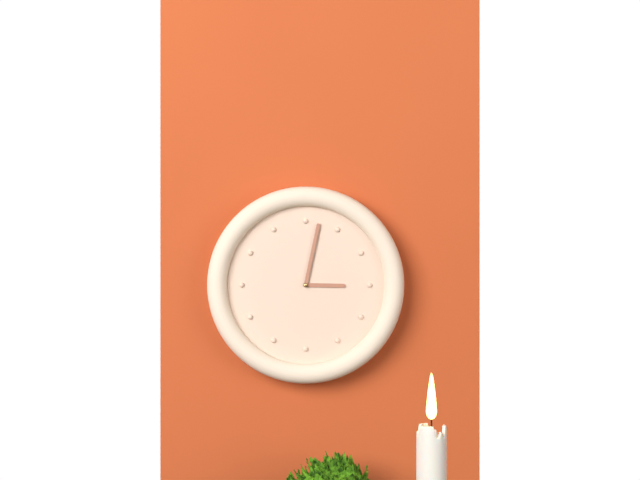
3:02
